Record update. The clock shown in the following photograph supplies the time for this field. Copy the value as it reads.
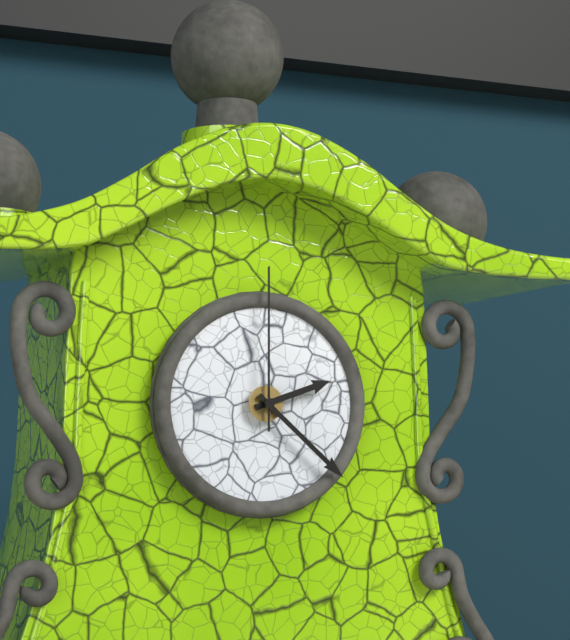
2:22:00
